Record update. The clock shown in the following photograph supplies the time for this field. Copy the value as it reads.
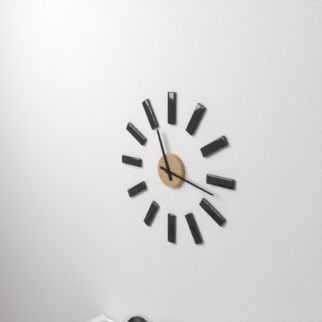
11:17
